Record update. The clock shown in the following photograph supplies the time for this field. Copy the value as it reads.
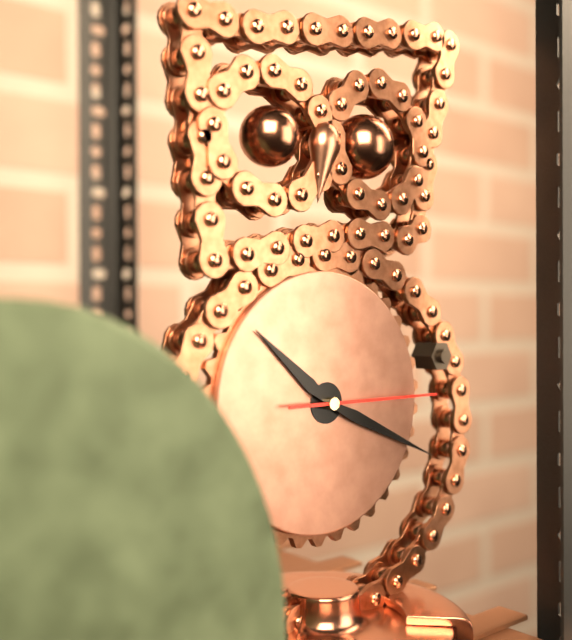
10:19:15
